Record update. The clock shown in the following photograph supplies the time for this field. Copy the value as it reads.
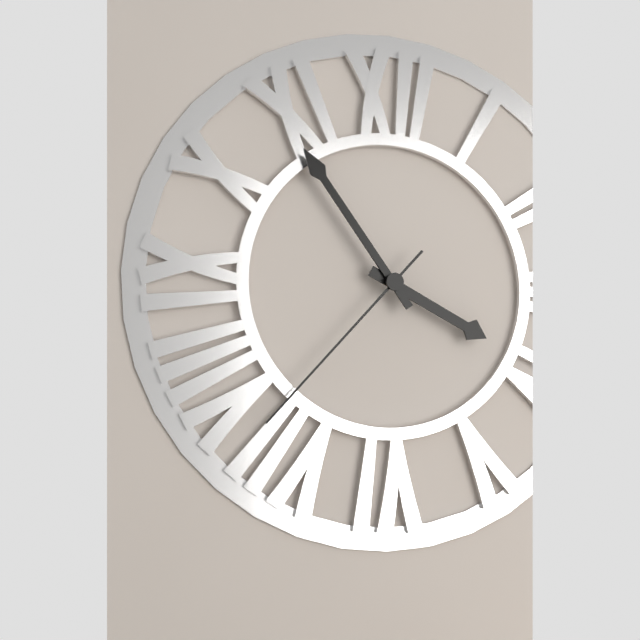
3:54:37
